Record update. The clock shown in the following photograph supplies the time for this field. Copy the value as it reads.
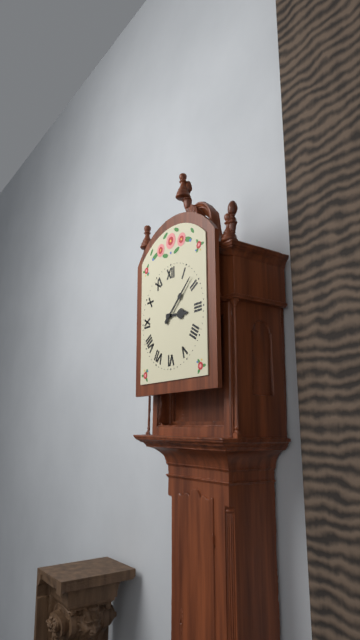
3:08
